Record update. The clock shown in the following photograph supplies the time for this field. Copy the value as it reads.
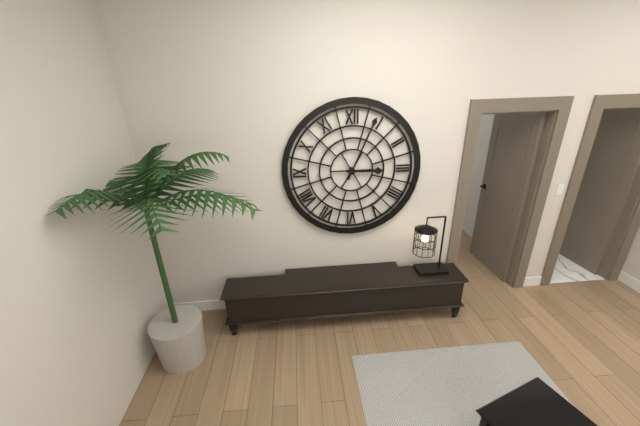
3:04
